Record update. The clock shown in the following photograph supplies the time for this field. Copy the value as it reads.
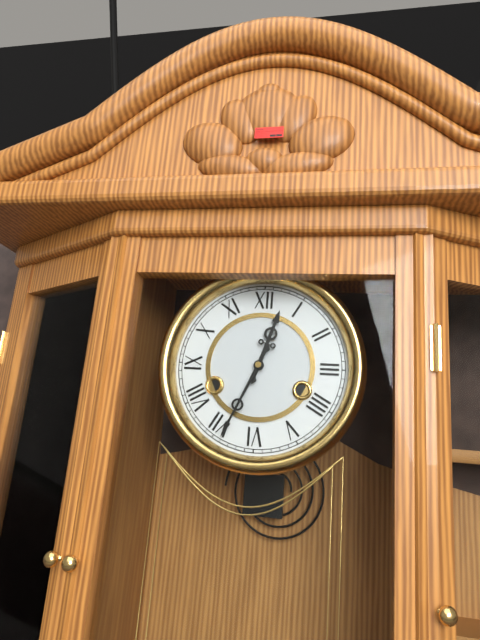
12:34
